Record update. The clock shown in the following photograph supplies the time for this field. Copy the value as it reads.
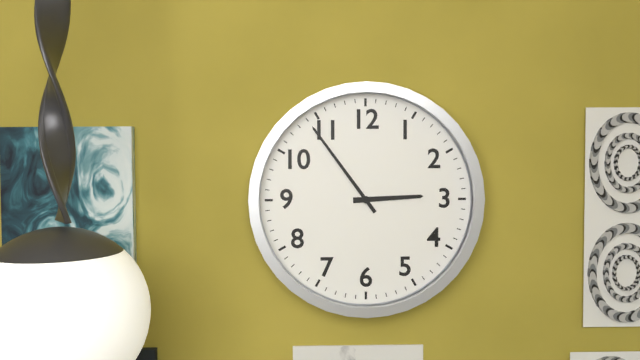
2:54
